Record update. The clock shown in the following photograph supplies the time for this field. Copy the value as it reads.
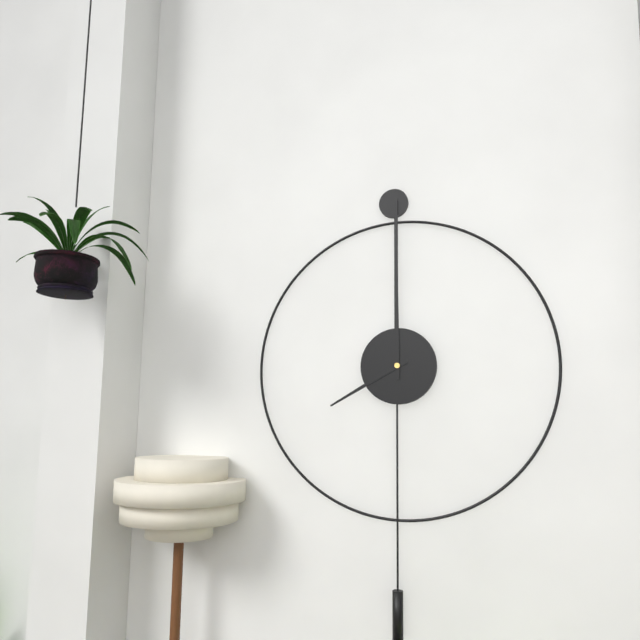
8:00
